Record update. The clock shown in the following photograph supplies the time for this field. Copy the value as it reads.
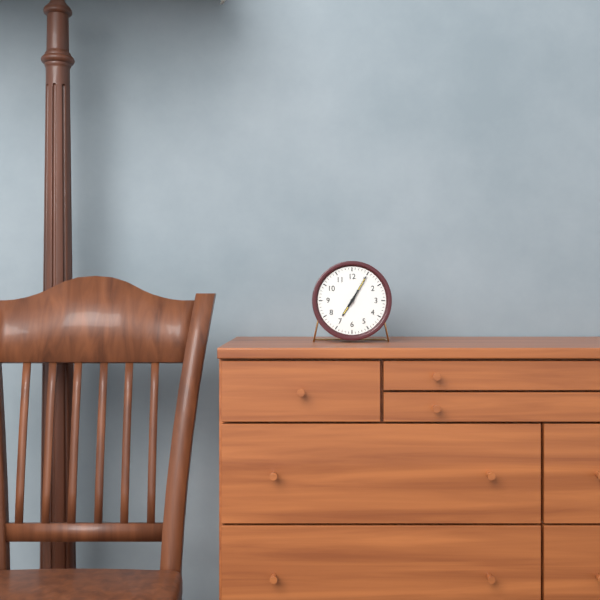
7:05
